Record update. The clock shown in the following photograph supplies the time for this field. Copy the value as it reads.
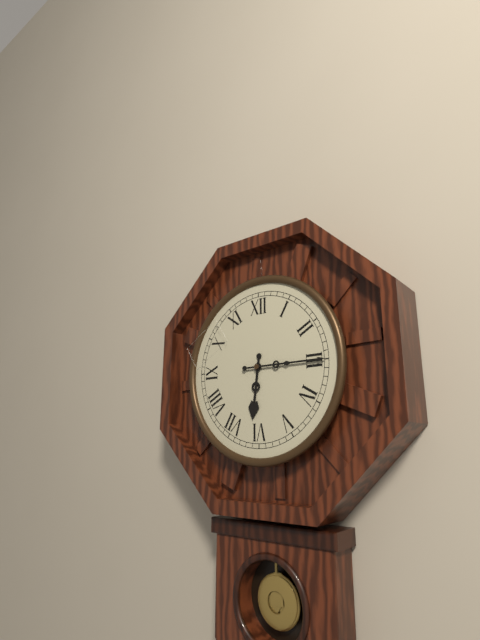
6:15
